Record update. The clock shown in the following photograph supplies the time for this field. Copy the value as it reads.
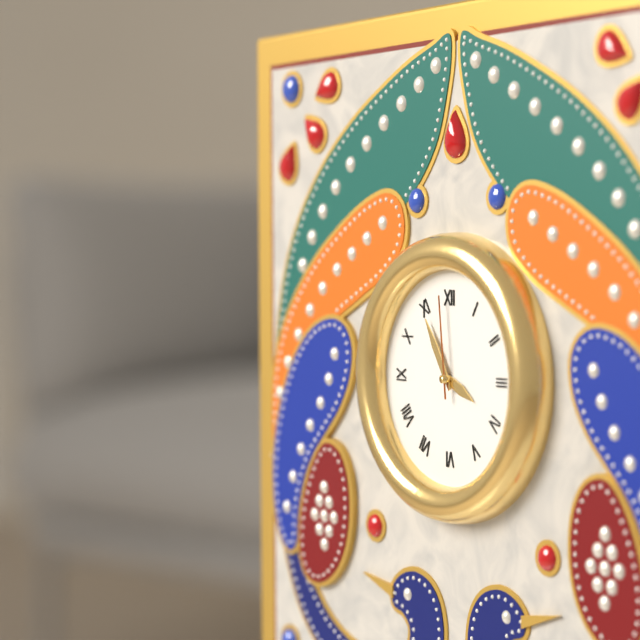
3:55:59
